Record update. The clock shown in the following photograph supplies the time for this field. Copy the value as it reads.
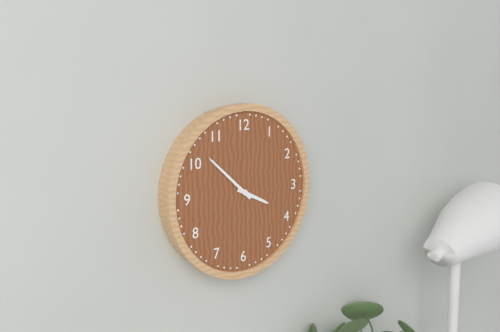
3:52
